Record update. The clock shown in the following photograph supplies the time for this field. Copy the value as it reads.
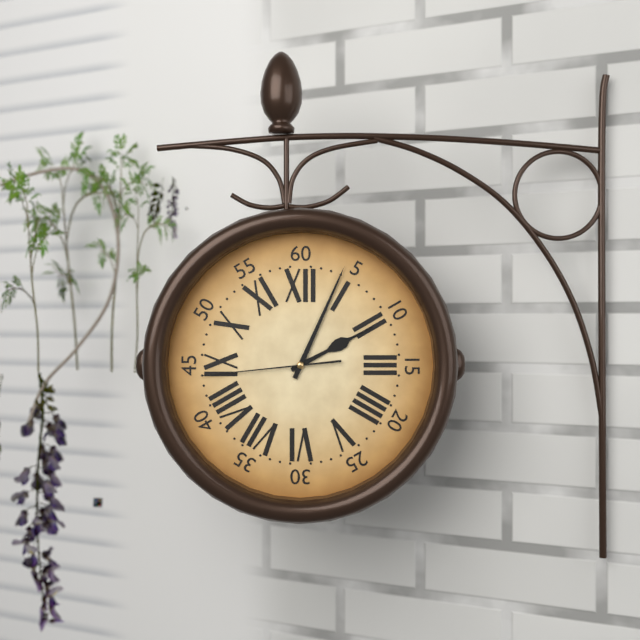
2:04:44
